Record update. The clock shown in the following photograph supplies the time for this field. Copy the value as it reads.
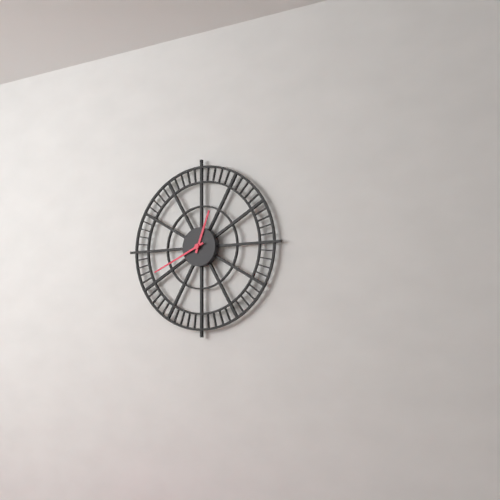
12:41
